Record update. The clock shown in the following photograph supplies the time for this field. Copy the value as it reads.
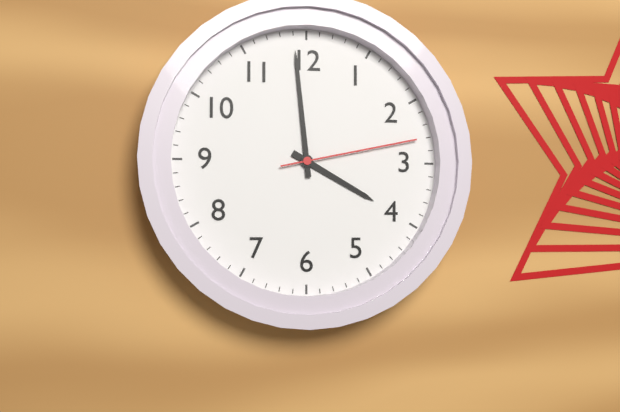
3:59:13
